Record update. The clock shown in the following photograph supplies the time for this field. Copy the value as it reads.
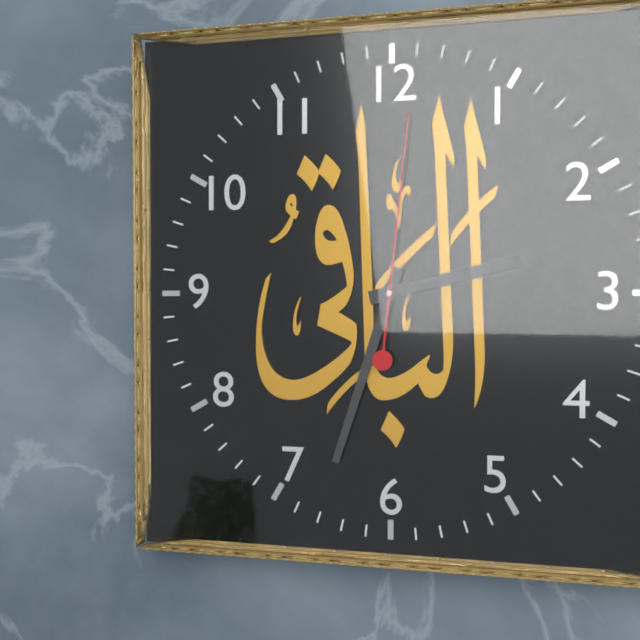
2:33:01
